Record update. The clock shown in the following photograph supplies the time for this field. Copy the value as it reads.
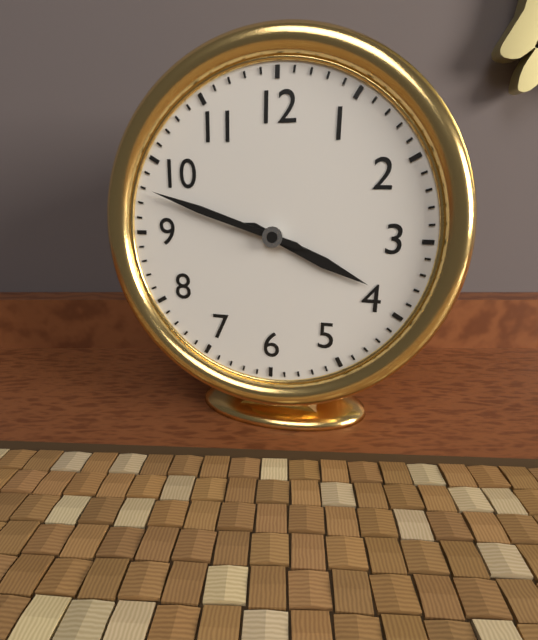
3:48
